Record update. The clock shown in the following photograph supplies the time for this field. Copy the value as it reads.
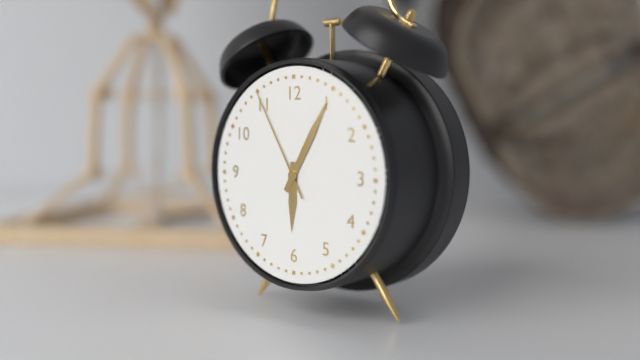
6:05:55
